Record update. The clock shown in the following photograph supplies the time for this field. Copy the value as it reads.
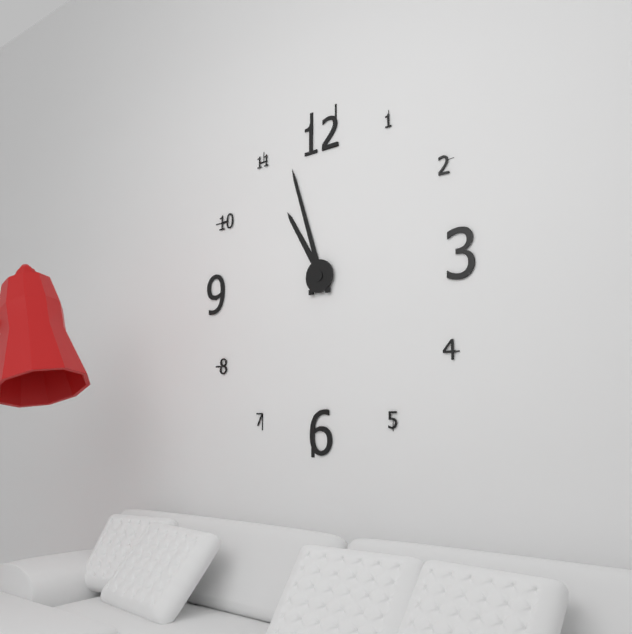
10:57
